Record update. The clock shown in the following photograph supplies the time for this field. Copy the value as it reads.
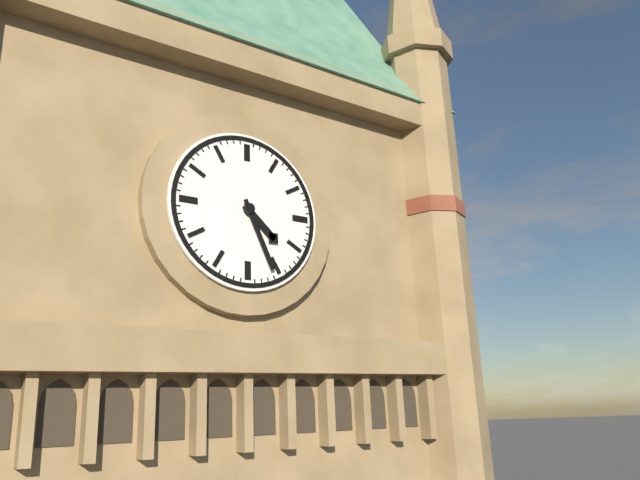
4:26
